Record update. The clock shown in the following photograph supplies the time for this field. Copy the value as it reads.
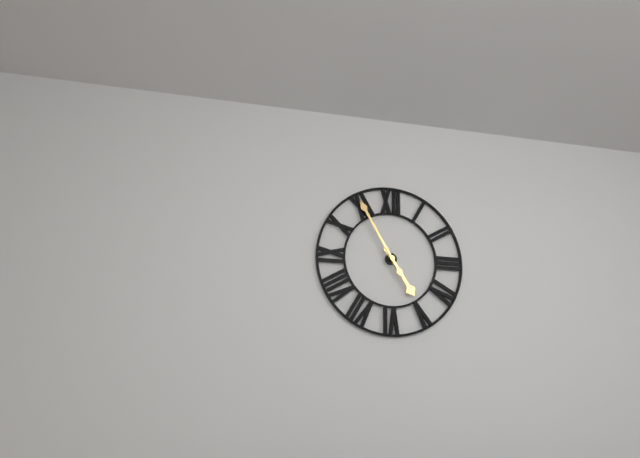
4:55
